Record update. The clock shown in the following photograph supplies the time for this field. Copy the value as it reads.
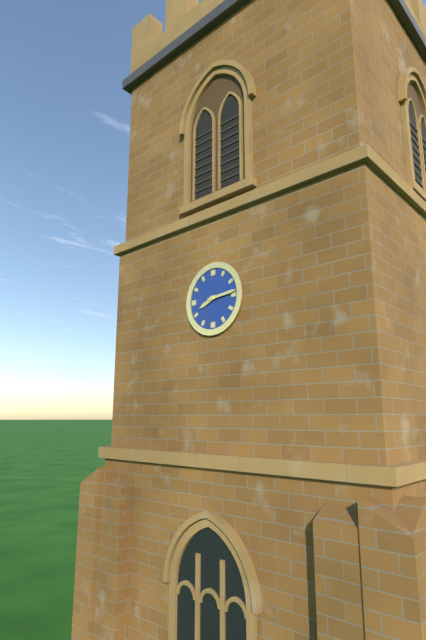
8:14
